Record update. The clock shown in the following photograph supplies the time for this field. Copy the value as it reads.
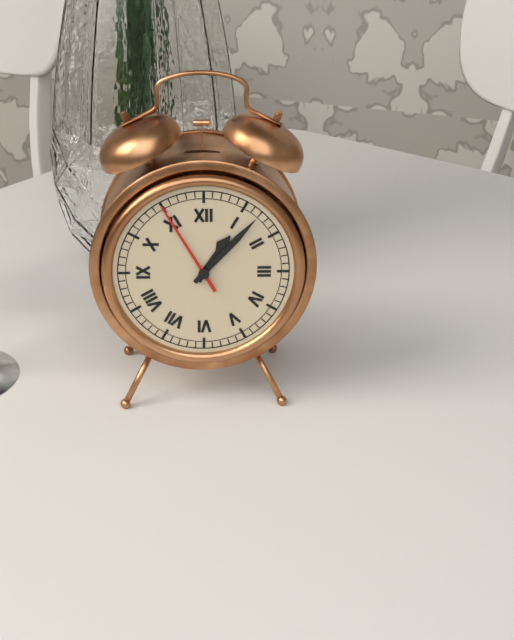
1:07:55
